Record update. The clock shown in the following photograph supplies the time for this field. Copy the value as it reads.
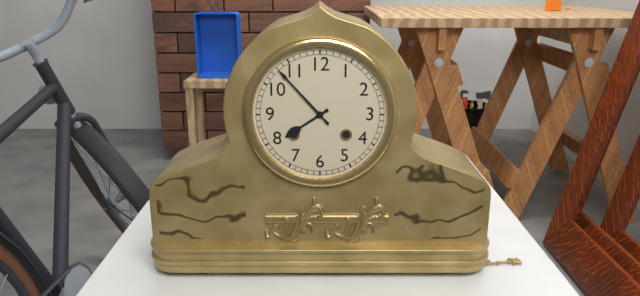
7:53
